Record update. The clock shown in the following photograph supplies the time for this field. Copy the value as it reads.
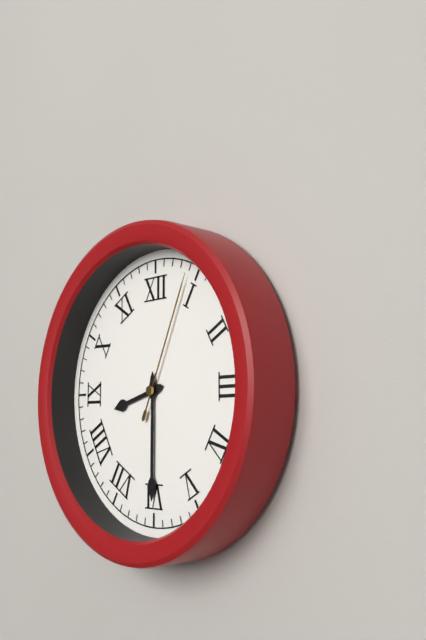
8:30:04
